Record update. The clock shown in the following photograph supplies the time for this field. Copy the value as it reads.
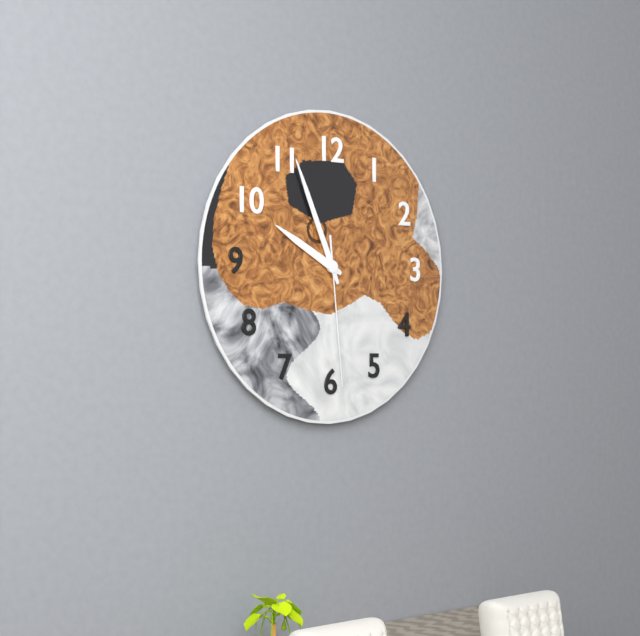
9:56:29
